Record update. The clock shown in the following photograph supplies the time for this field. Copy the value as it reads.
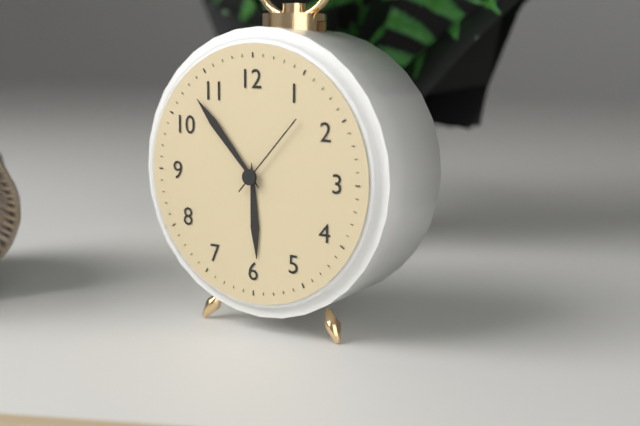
5:53:07
